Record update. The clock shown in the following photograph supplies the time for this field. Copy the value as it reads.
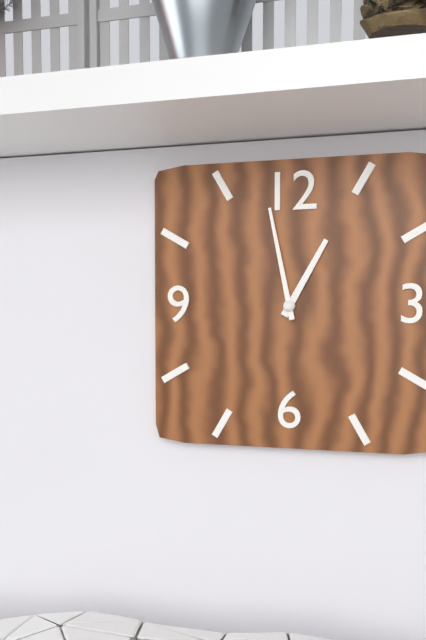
12:58
